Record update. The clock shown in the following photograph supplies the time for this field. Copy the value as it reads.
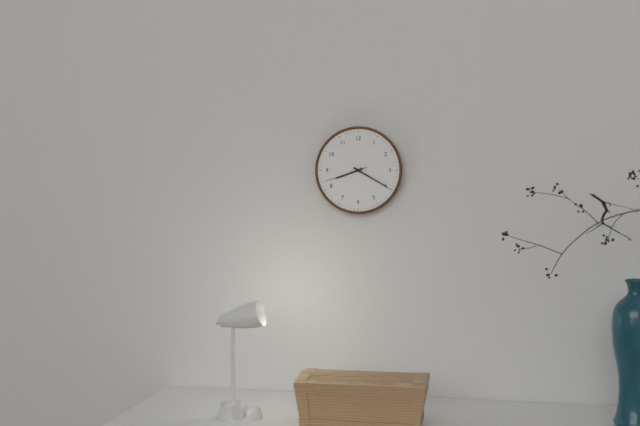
8:20
